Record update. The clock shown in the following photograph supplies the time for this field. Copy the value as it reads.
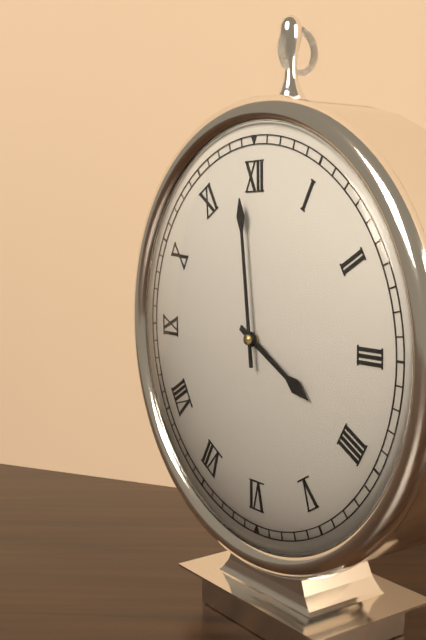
3:59
